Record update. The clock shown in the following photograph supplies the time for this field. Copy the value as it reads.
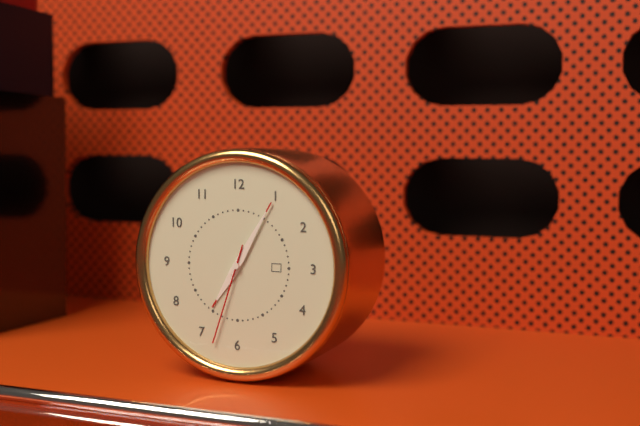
7:05:33
